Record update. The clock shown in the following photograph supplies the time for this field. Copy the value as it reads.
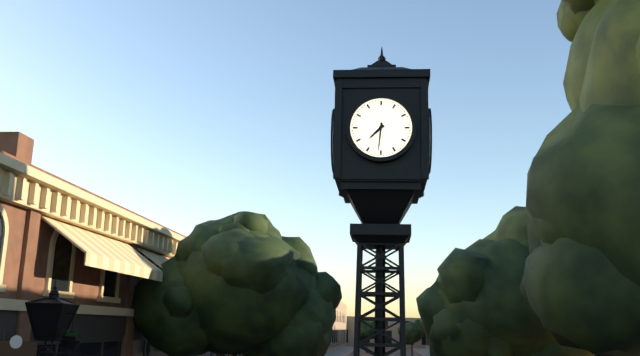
7:31
